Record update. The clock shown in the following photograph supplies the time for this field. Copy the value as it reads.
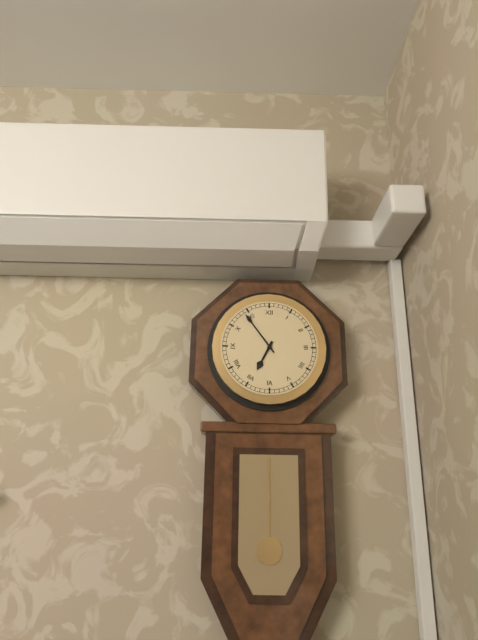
6:54
